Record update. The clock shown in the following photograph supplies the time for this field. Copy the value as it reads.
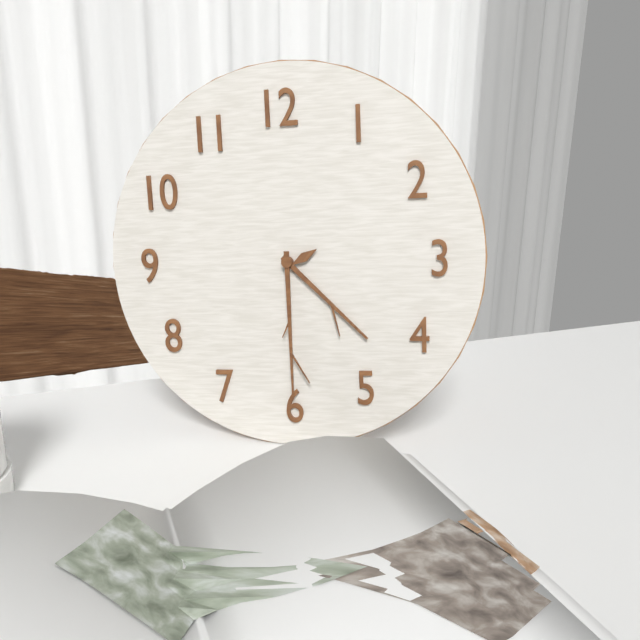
4:30
